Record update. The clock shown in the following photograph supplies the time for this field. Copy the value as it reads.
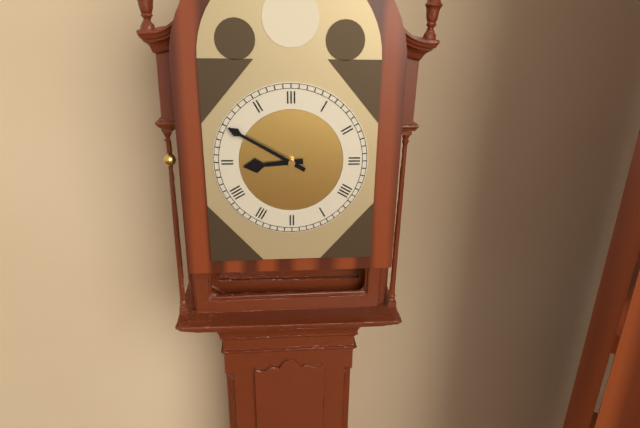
8:50
